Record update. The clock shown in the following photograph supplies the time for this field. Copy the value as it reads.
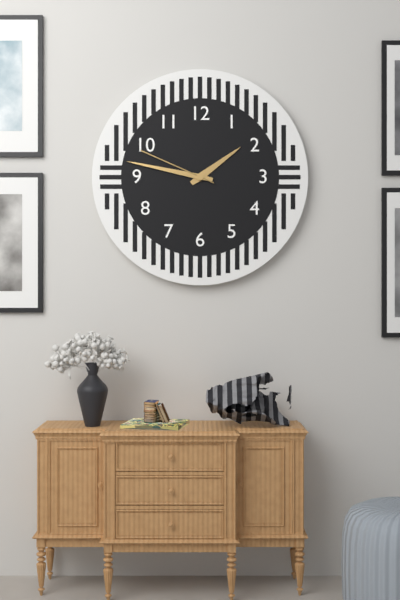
1:47:49
